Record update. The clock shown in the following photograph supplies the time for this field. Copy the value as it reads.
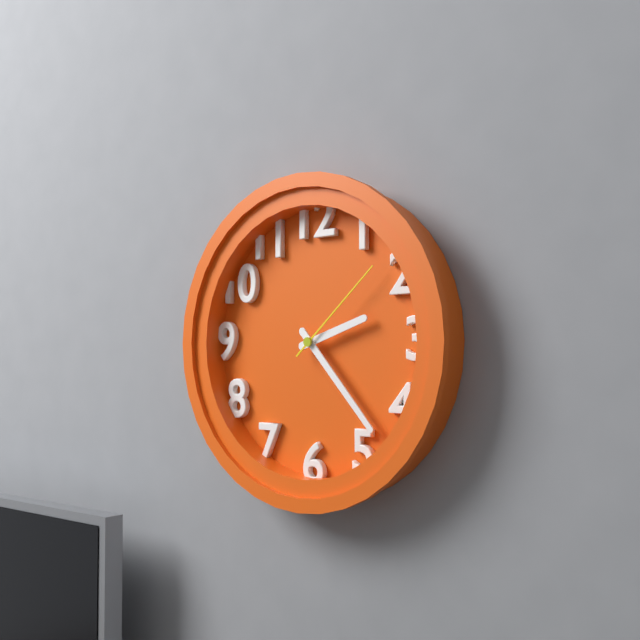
2:23:08
